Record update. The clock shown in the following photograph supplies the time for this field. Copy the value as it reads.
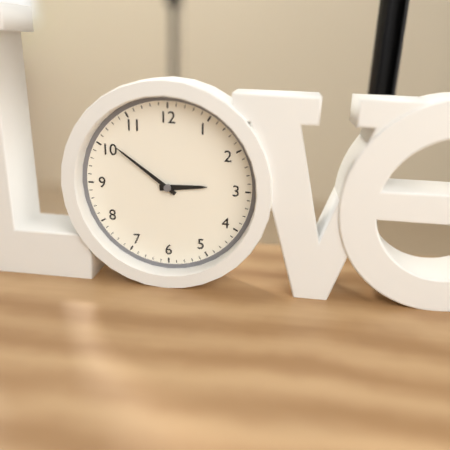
2:51
